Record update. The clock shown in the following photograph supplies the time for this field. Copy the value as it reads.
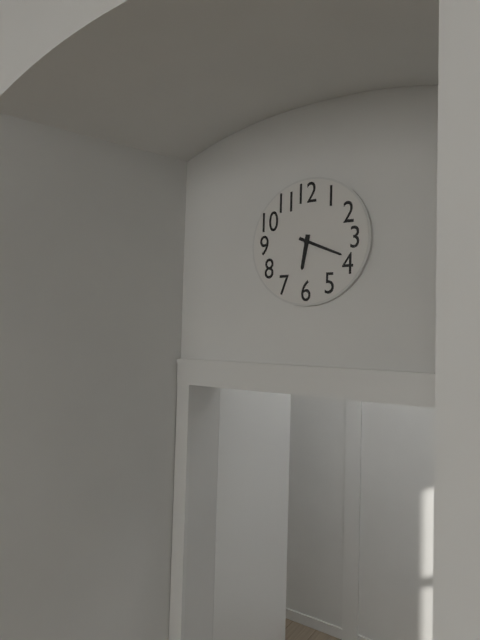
6:19
